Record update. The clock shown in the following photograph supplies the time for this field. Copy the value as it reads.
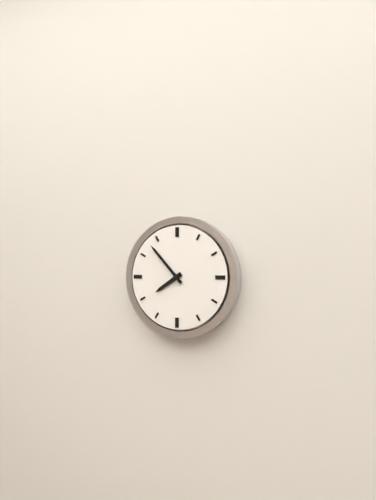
7:53
